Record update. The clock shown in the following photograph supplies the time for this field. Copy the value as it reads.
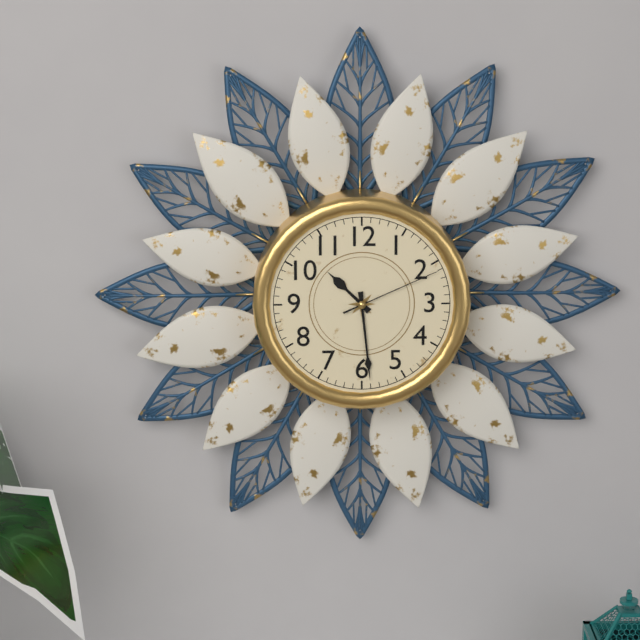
10:29:11
